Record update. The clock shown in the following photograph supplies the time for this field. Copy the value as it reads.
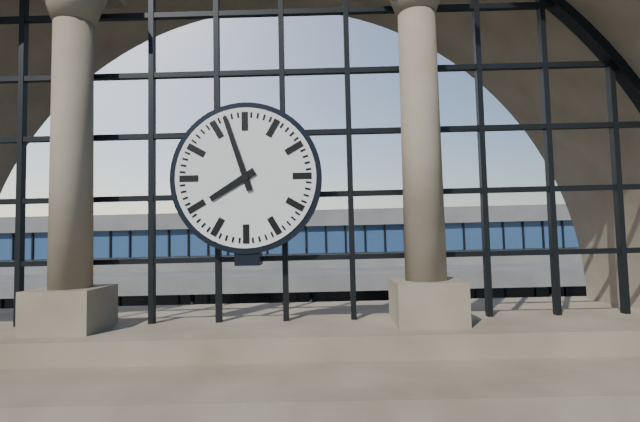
7:57
